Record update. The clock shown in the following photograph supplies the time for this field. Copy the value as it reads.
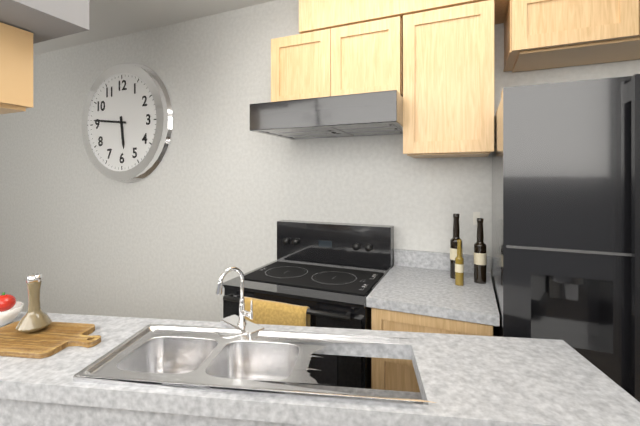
5:46
